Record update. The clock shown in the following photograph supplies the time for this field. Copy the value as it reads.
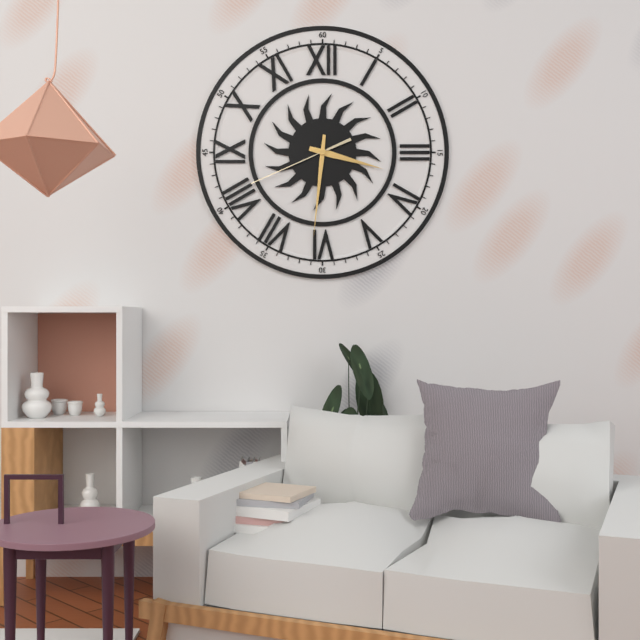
3:31:41
